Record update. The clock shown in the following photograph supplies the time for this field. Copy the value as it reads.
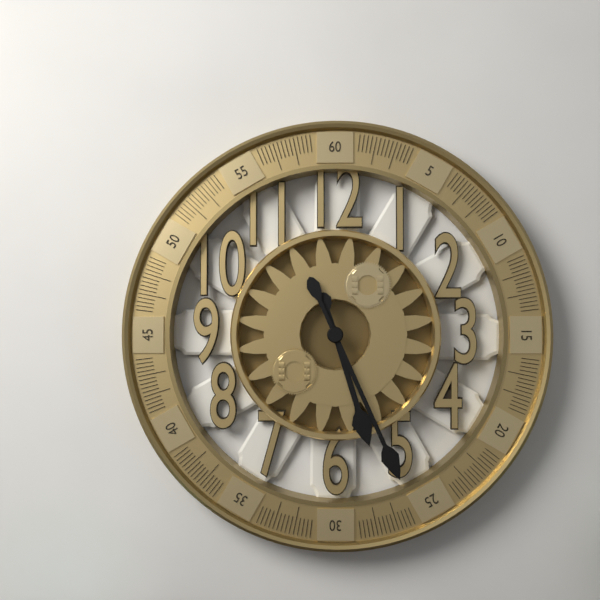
5:26
